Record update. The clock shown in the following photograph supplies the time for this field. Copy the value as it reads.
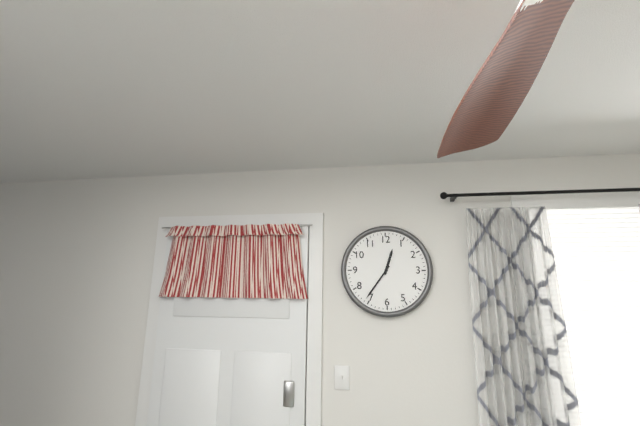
12:36
